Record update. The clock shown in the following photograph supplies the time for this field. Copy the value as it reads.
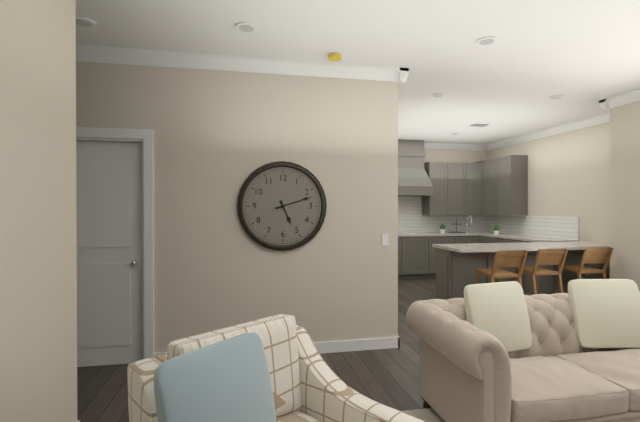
5:12
